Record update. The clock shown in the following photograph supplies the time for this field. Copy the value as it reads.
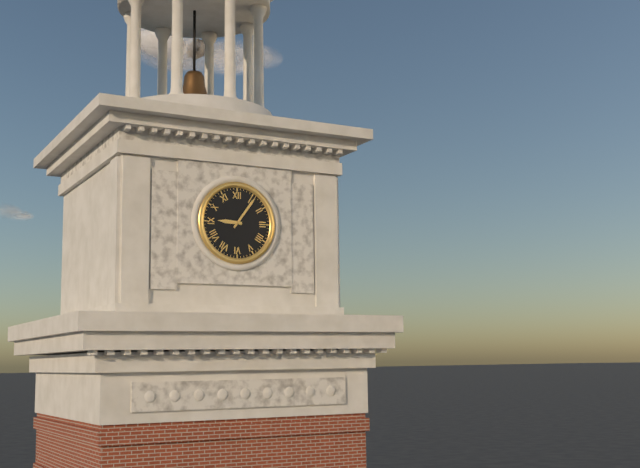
9:06
